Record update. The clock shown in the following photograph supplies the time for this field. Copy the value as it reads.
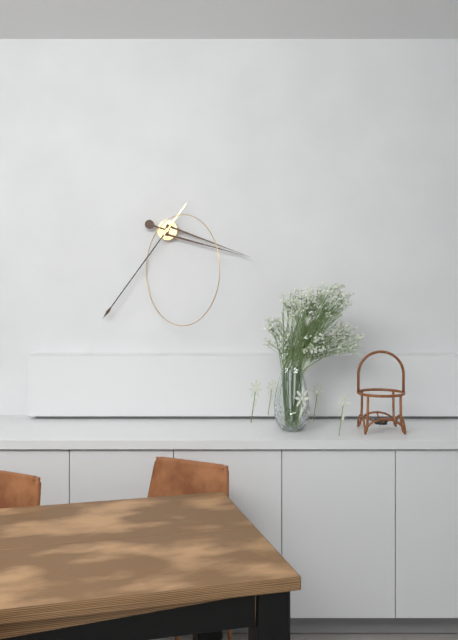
3:36
